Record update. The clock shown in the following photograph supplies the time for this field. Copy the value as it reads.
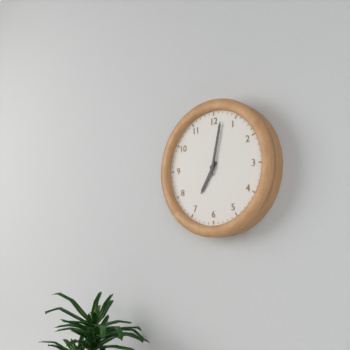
7:02
